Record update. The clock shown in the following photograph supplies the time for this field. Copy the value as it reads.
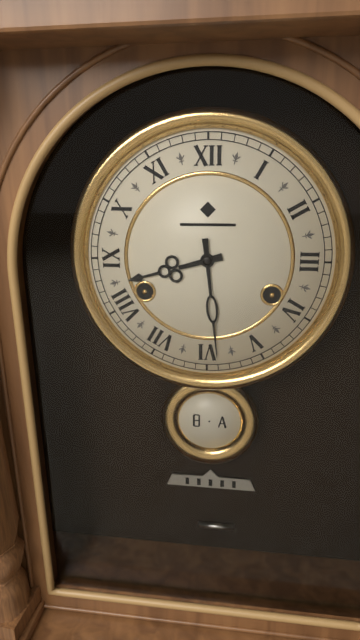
8:29
